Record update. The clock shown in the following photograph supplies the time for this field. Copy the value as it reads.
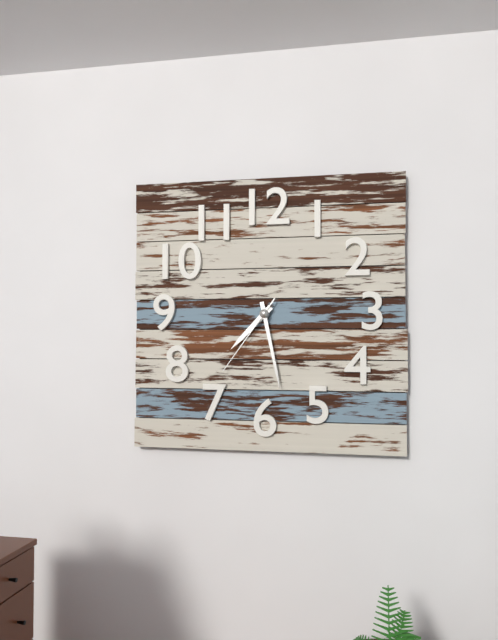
7:28:36
